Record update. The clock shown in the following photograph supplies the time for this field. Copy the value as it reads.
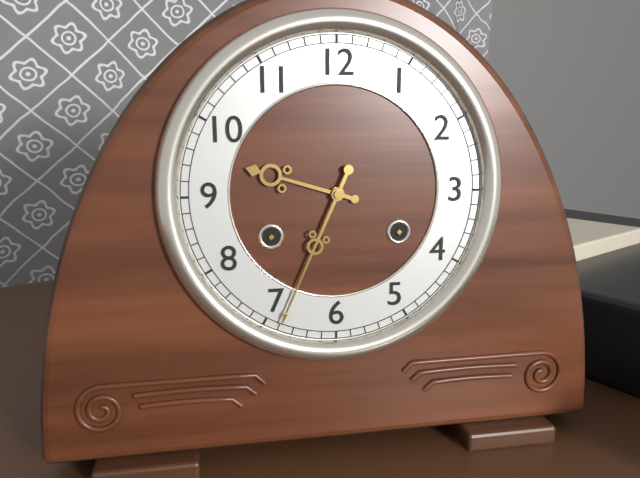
9:34
